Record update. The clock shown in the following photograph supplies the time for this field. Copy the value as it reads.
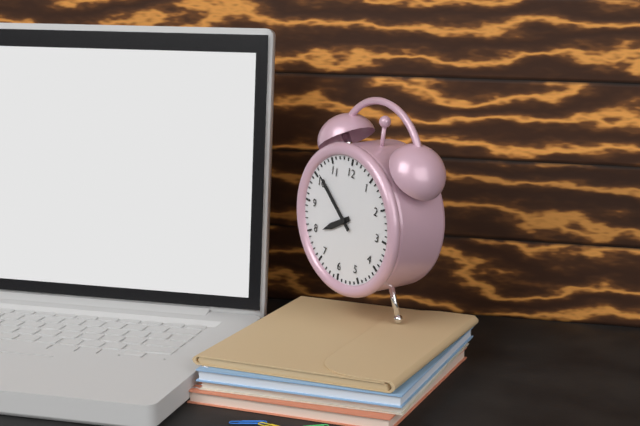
7:51
